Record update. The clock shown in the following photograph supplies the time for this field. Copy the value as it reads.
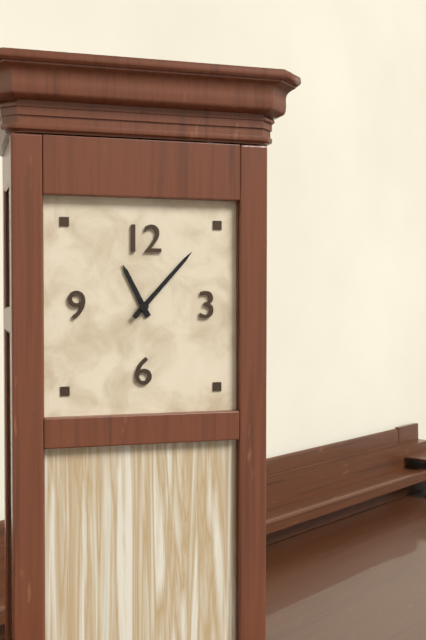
11:07
